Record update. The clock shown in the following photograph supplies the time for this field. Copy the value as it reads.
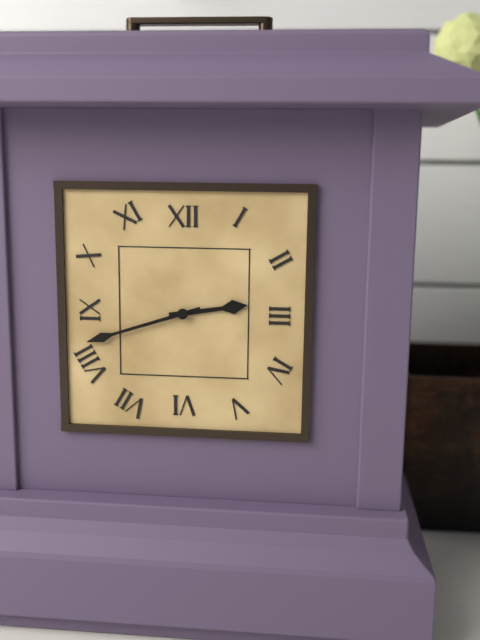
2:42
